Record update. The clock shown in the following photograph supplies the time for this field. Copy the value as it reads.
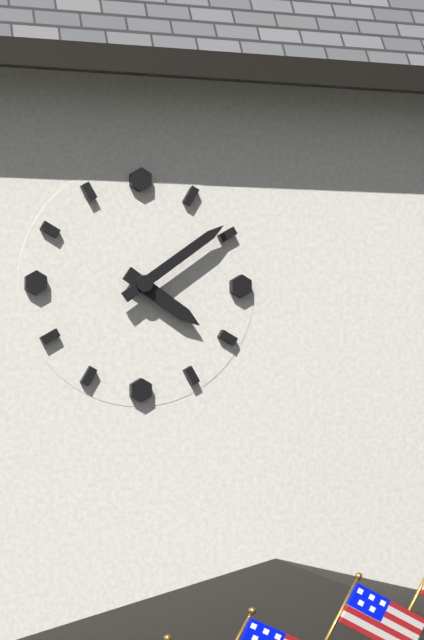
4:09
